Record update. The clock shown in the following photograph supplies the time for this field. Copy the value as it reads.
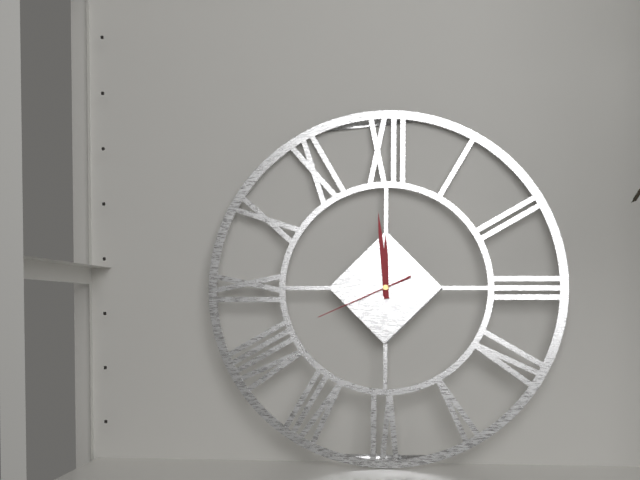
11:59:41
